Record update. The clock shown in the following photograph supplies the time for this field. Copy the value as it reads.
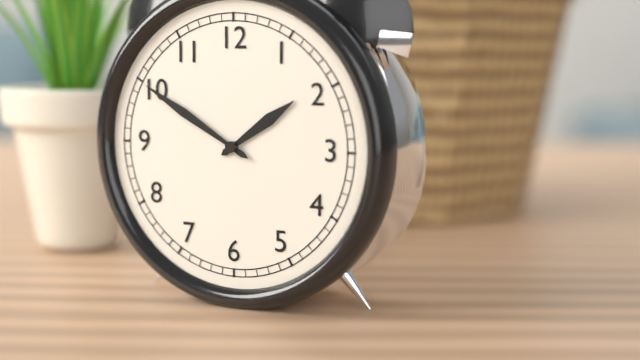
1:50
